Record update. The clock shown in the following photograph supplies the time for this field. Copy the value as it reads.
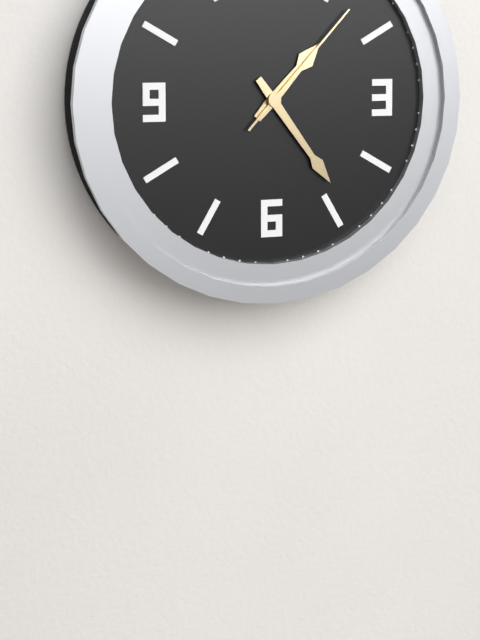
1:24:07
